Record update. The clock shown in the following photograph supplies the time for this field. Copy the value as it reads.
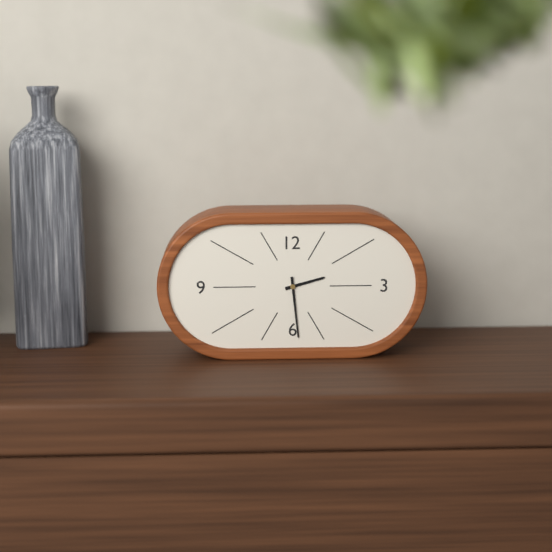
2:29
